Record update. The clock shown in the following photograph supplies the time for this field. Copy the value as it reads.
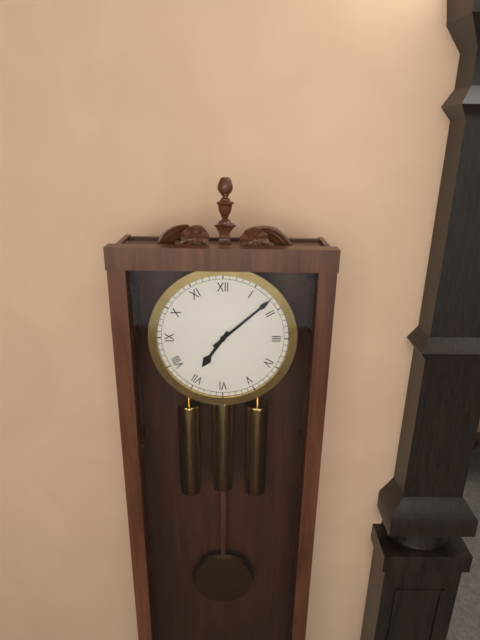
7:08
